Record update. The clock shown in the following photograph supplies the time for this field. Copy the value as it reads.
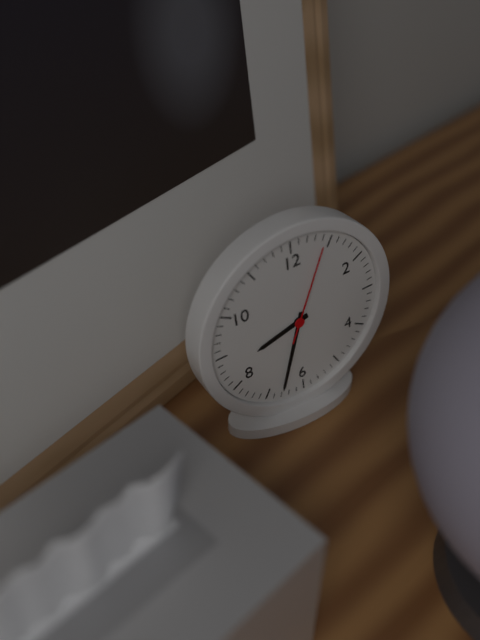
8:33:04
